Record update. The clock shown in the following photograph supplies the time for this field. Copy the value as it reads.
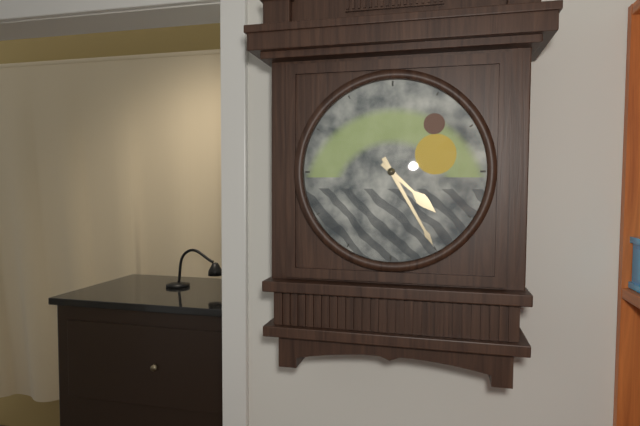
4:25
